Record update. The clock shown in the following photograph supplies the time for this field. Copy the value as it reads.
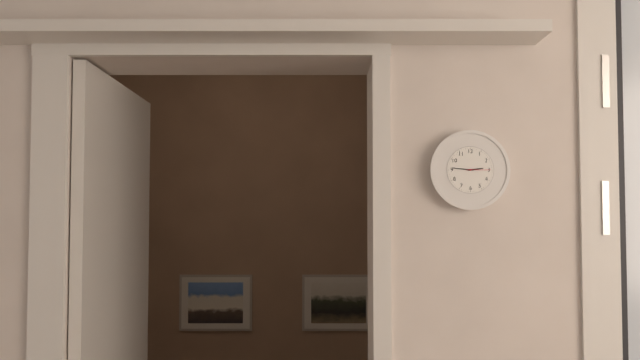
2:46
